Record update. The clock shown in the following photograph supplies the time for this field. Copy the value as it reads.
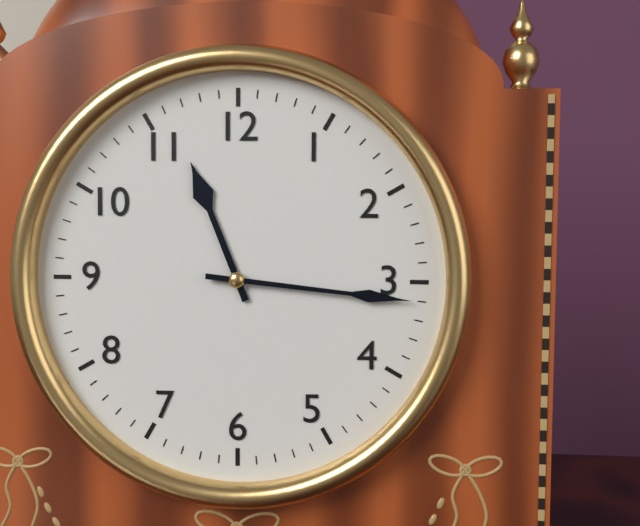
11:16
